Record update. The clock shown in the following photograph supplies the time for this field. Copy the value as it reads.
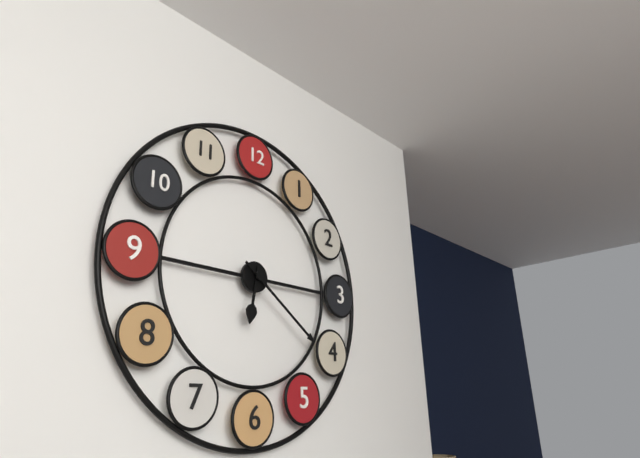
6:21
